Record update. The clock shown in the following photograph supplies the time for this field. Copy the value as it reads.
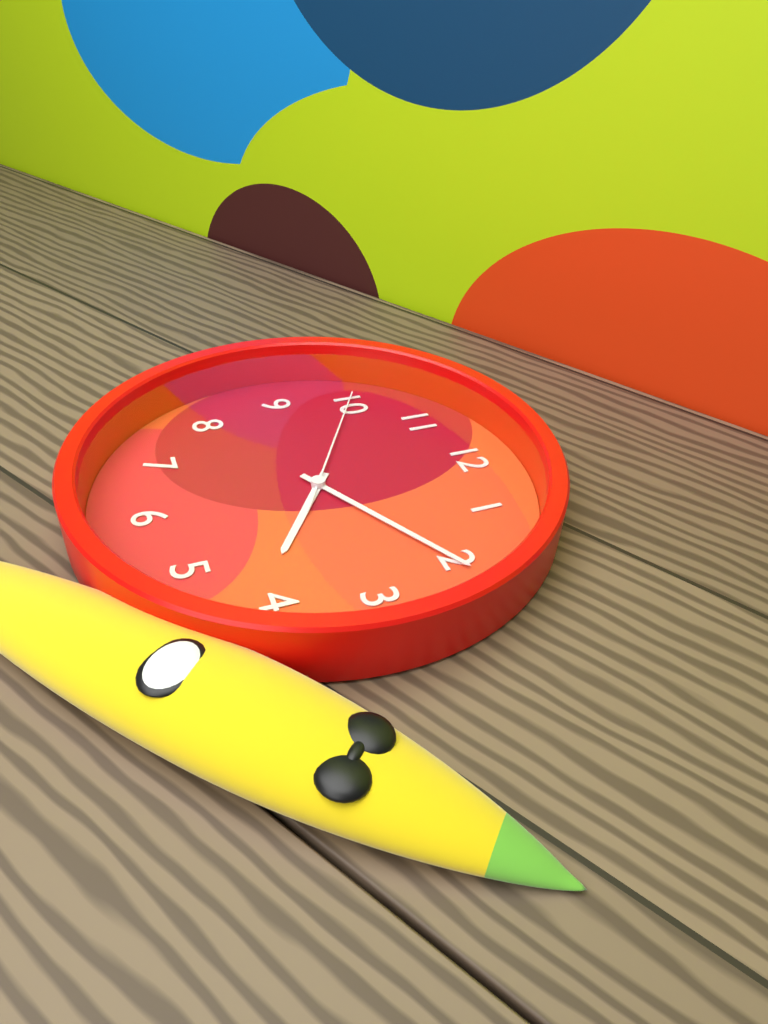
4:10:50
